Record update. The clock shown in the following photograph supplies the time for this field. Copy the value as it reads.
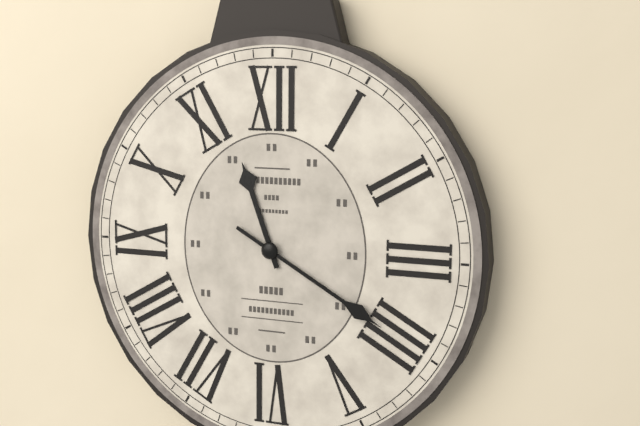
11:20
